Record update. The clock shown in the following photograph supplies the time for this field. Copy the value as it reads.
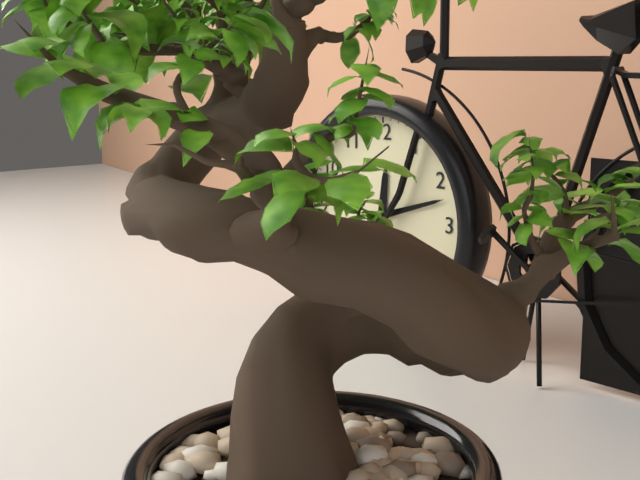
12:12
